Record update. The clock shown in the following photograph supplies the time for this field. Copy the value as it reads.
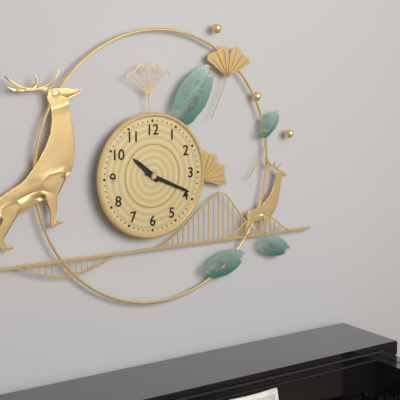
10:19
